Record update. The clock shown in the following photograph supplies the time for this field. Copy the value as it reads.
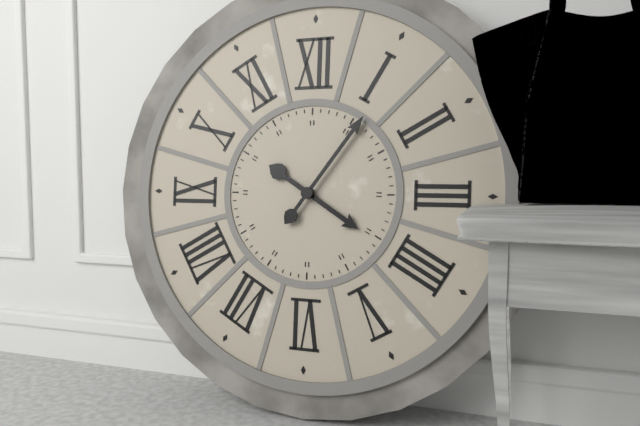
4:06
